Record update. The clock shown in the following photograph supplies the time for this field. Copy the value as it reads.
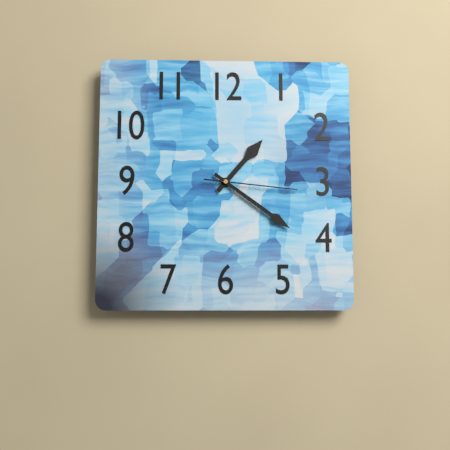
1:21:16
